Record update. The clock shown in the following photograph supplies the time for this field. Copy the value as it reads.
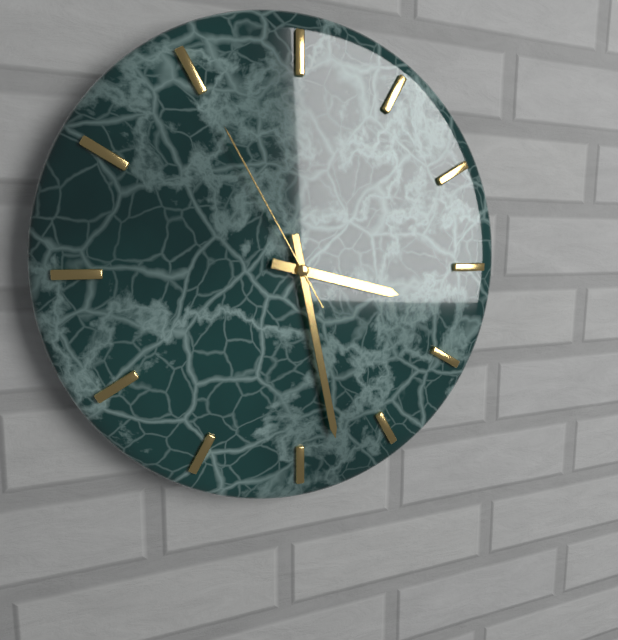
3:28:55
